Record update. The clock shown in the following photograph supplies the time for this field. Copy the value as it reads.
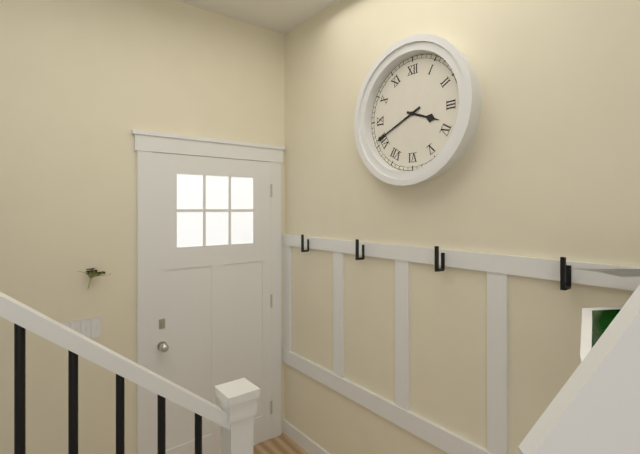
3:41
